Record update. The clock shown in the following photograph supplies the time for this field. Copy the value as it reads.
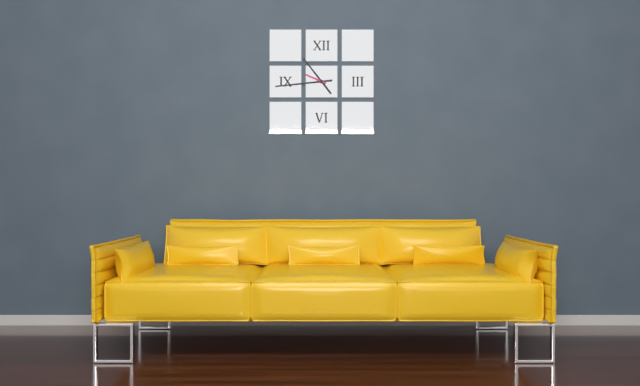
10:44
